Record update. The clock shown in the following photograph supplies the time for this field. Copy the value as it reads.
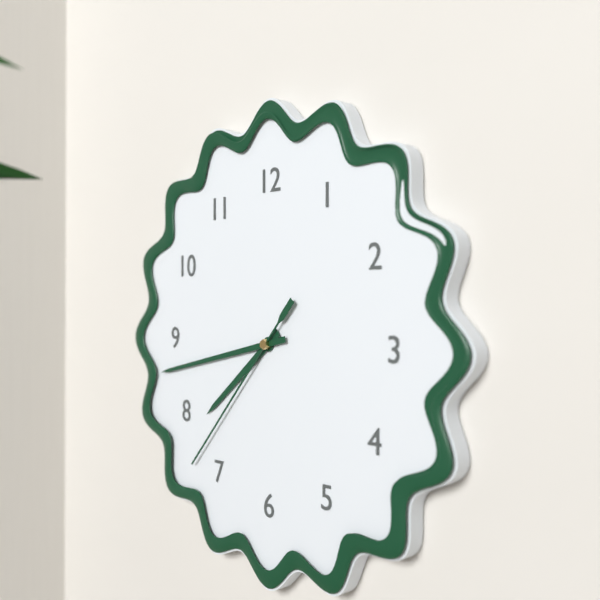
7:43:37
